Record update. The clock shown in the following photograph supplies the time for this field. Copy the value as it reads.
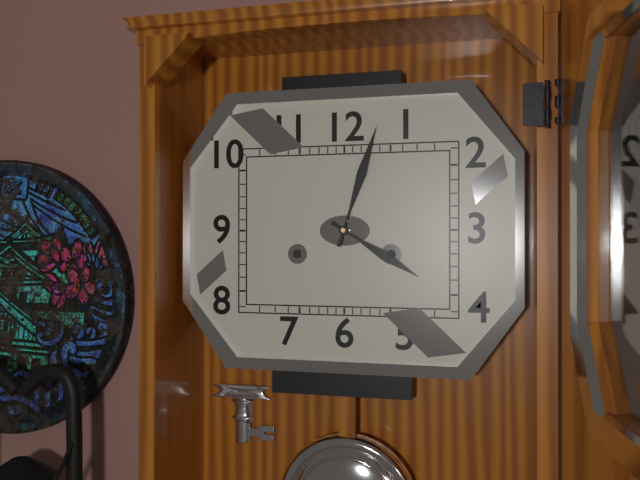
4:03
